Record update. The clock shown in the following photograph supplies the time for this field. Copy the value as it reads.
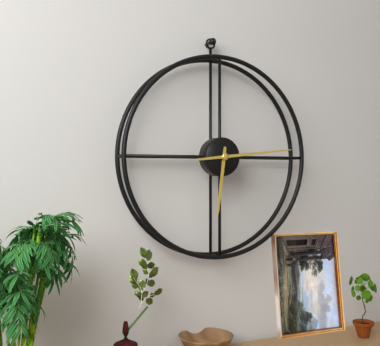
6:14
